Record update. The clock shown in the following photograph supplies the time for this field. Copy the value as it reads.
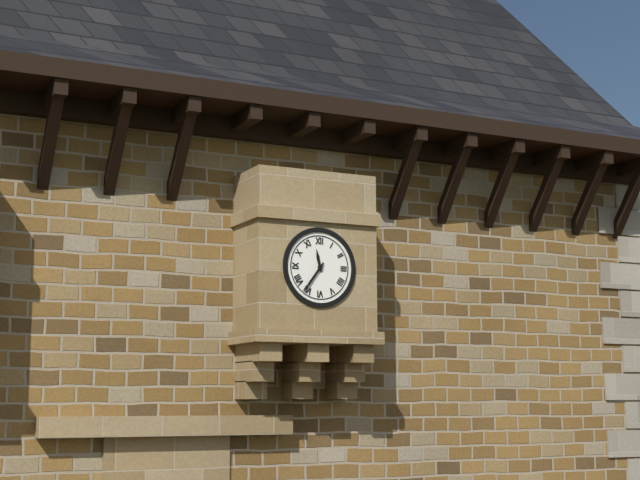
11:36
